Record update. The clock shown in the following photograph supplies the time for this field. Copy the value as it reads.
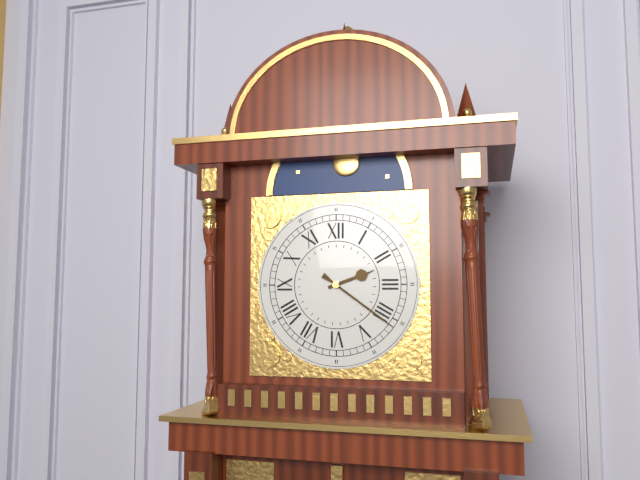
2:21
